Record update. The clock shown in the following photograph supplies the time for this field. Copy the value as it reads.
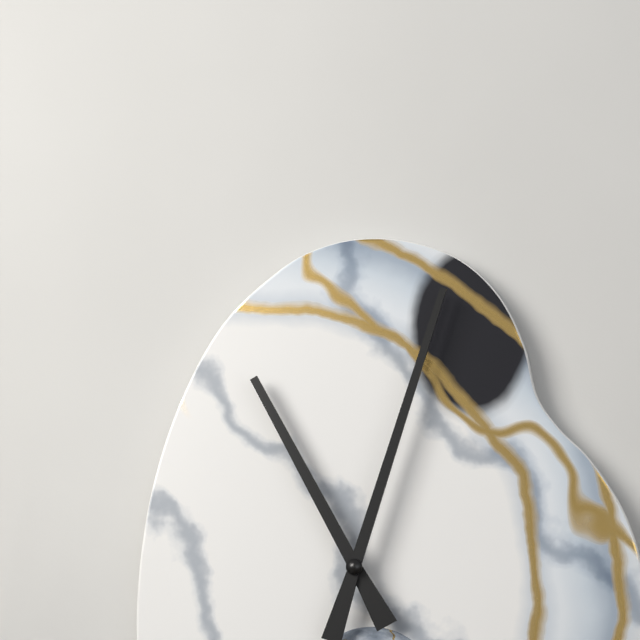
11:03
